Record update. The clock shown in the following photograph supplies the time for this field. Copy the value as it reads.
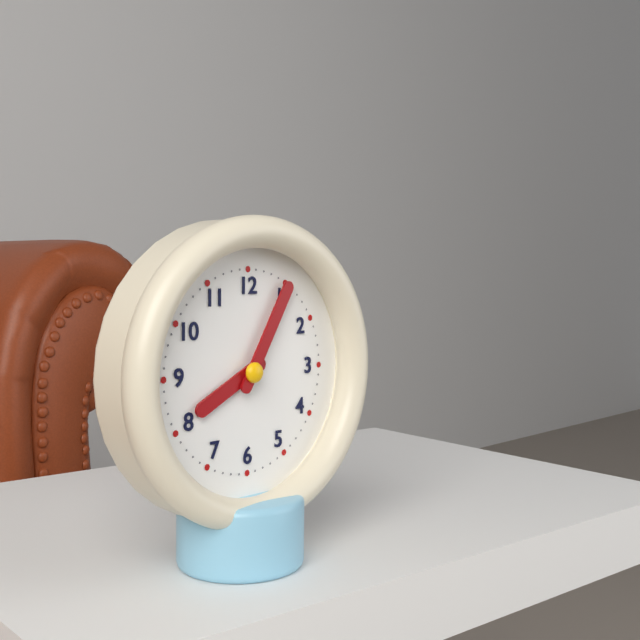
8:05
